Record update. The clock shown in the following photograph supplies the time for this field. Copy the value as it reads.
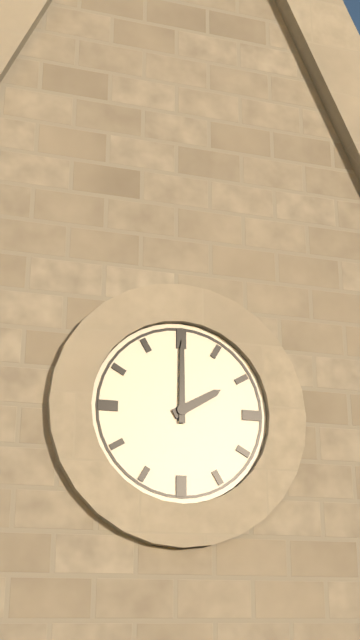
2:00
